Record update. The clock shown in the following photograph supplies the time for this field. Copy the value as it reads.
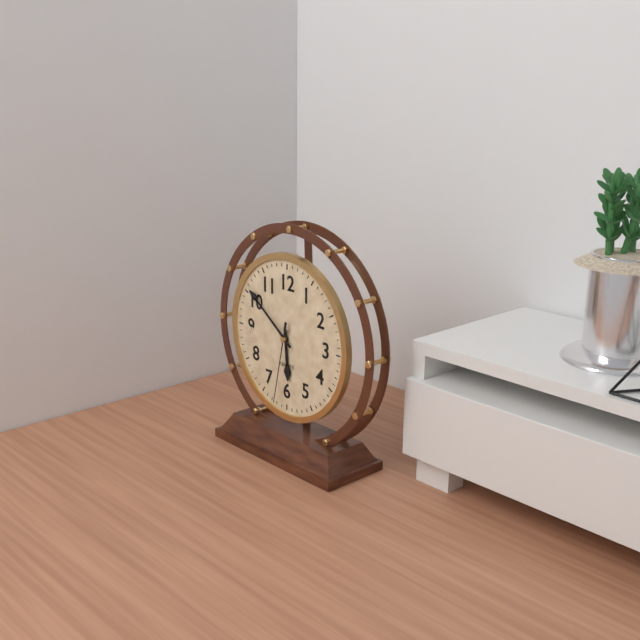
5:51:32
